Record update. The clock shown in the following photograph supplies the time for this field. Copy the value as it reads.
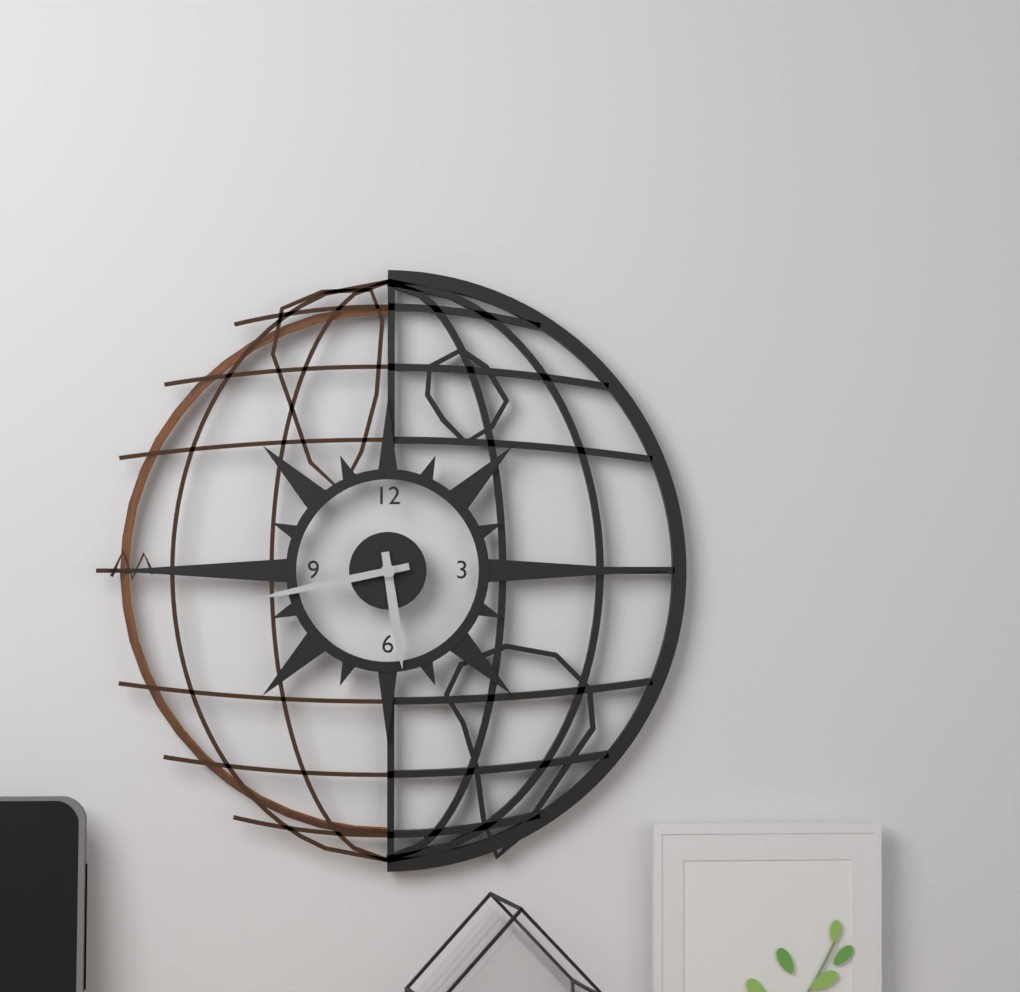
5:43
